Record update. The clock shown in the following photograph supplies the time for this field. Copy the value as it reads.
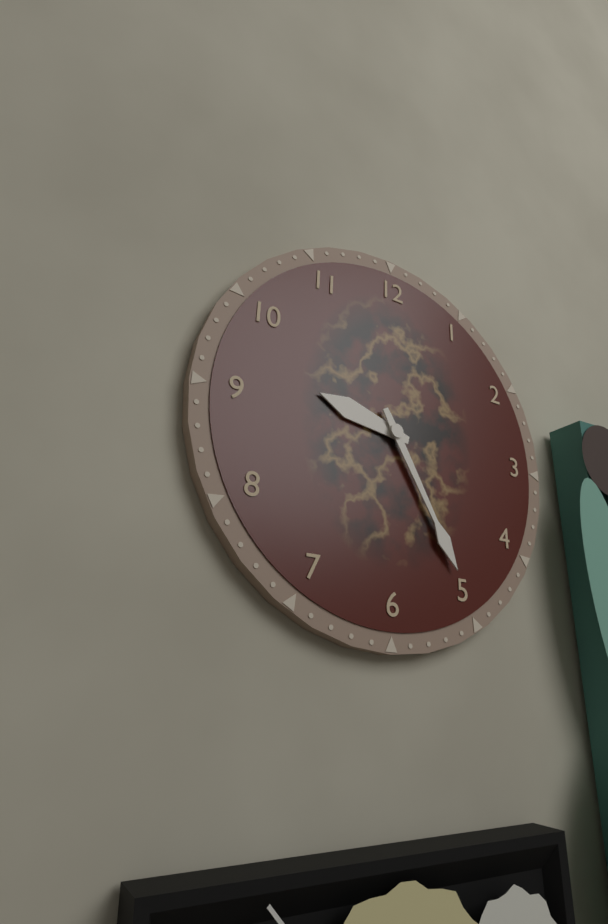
9:25
